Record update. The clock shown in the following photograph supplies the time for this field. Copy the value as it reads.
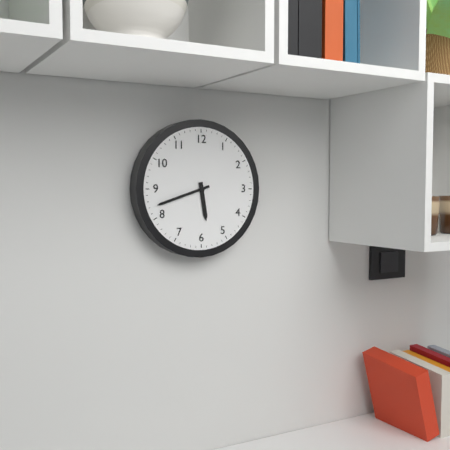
5:42
